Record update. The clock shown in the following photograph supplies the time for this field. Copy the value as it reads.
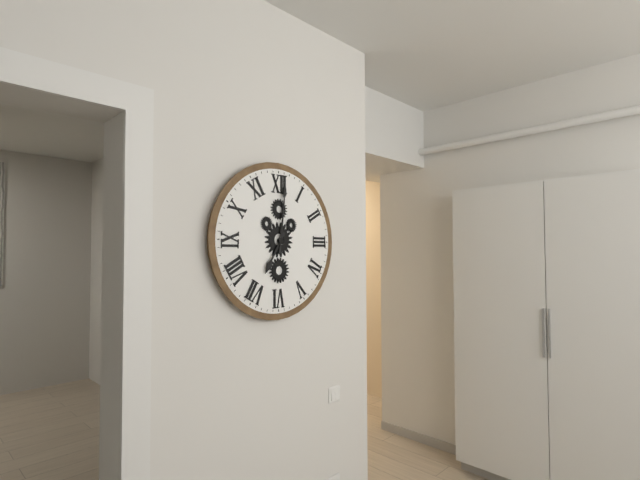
7:01
